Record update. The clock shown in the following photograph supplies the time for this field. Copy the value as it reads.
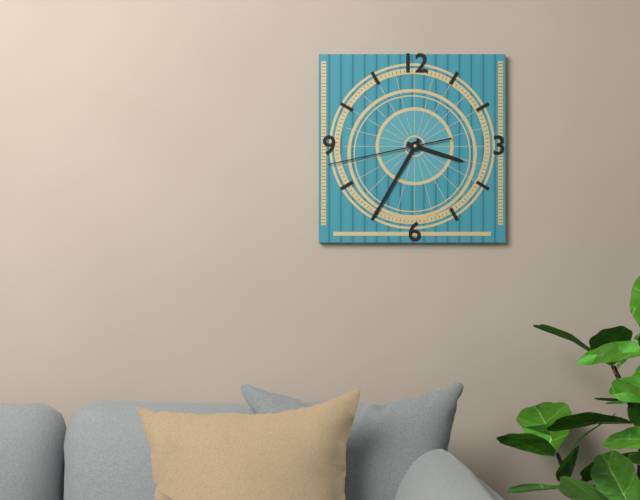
3:35:43
